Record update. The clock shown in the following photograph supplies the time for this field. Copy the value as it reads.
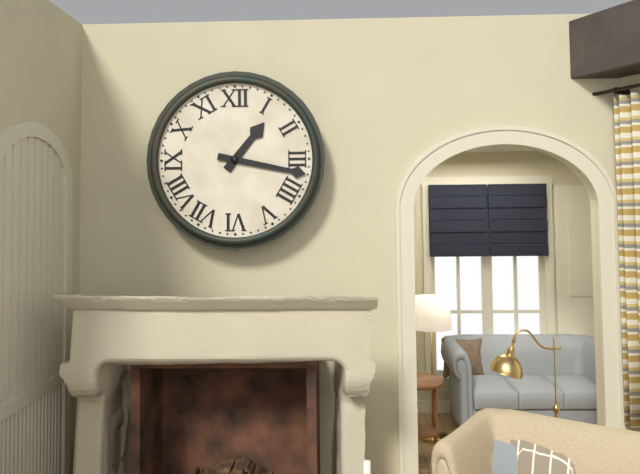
1:17
